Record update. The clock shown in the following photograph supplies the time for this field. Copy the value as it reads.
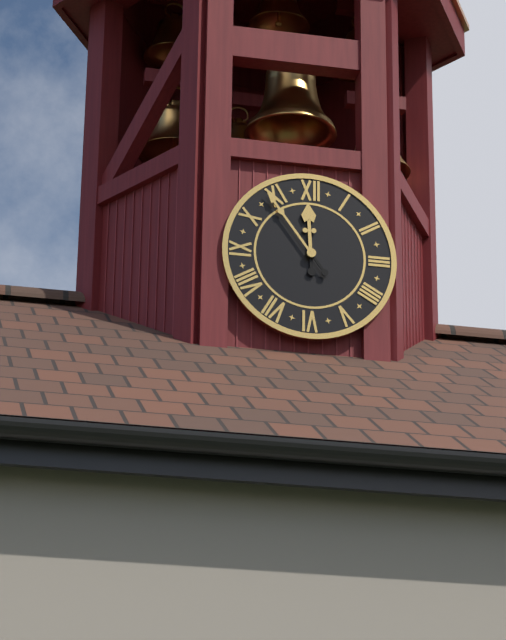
11:54
